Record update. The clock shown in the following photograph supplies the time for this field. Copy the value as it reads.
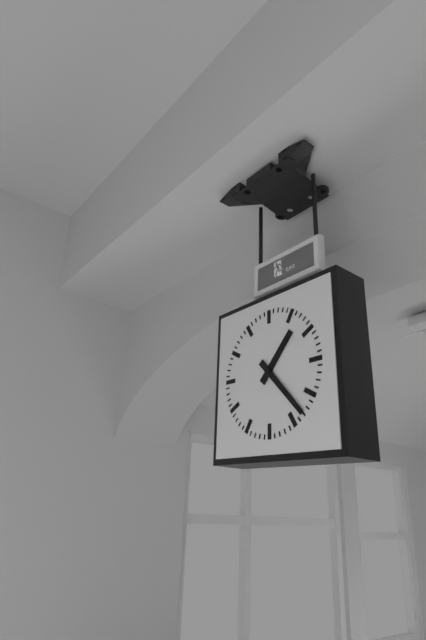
1:23
